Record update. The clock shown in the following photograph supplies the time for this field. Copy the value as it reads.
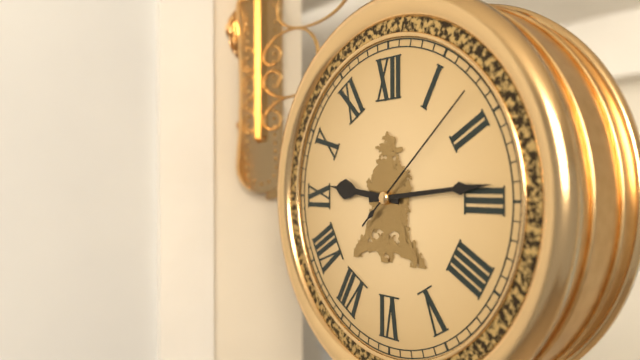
9:14:08
